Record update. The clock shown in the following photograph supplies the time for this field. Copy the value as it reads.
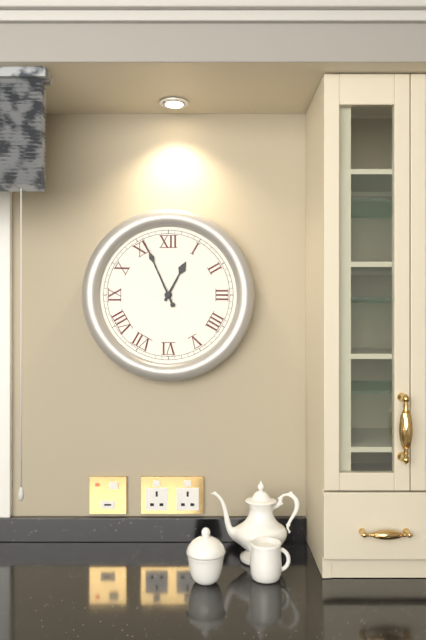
12:56
